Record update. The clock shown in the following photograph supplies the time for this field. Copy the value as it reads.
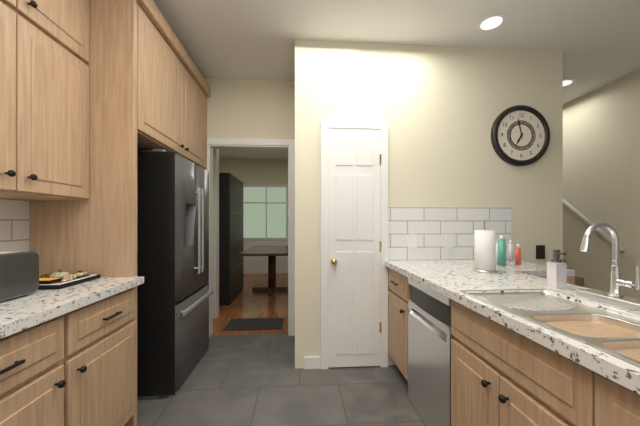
6:58
